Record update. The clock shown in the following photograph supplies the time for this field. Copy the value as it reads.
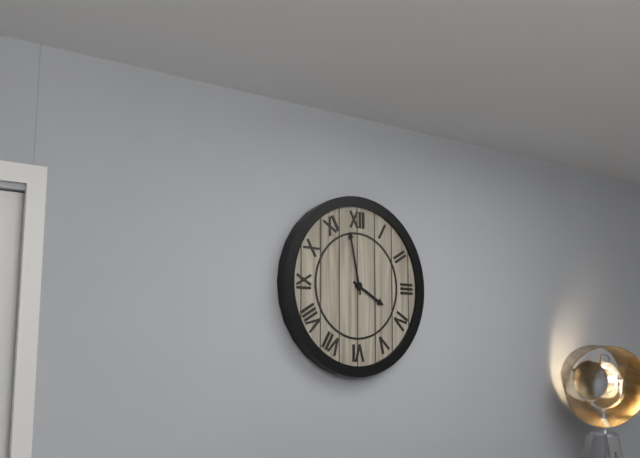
3:58
